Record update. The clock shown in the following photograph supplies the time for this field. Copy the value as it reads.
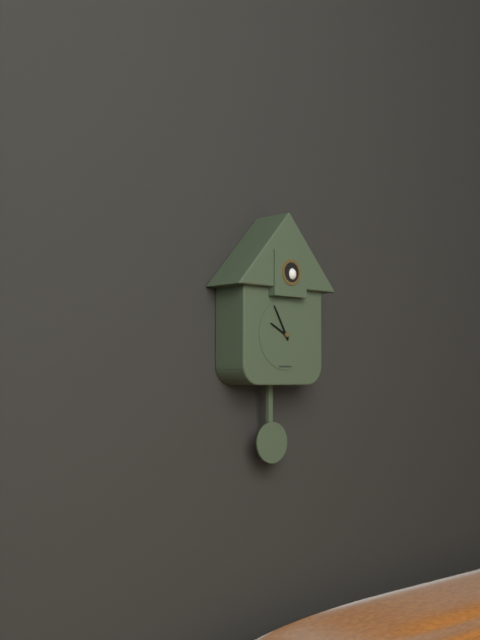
9:55
